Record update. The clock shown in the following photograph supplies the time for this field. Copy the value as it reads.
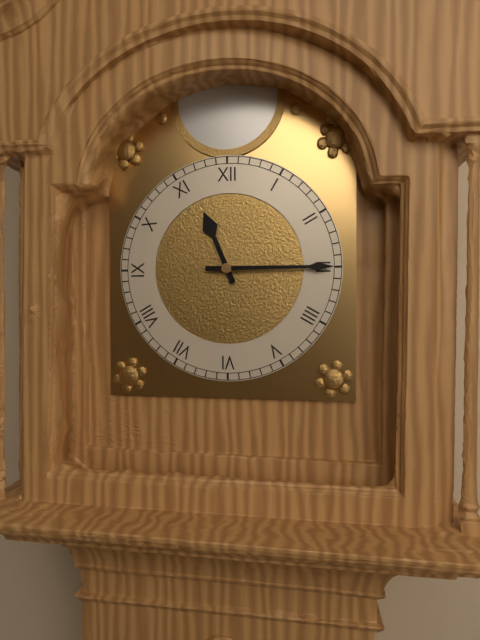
11:15
